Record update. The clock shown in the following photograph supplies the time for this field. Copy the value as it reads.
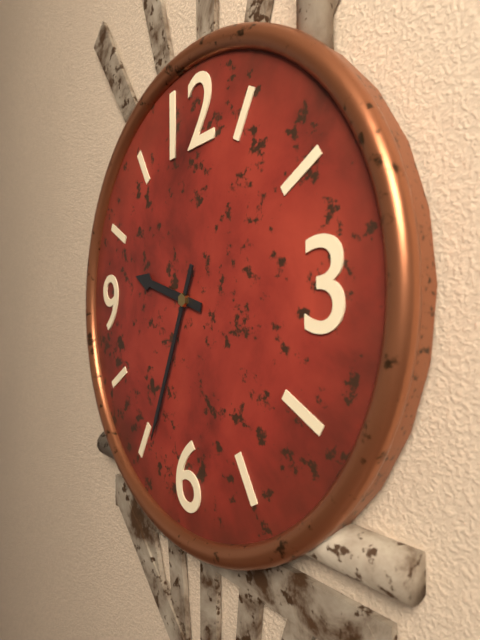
9:34
